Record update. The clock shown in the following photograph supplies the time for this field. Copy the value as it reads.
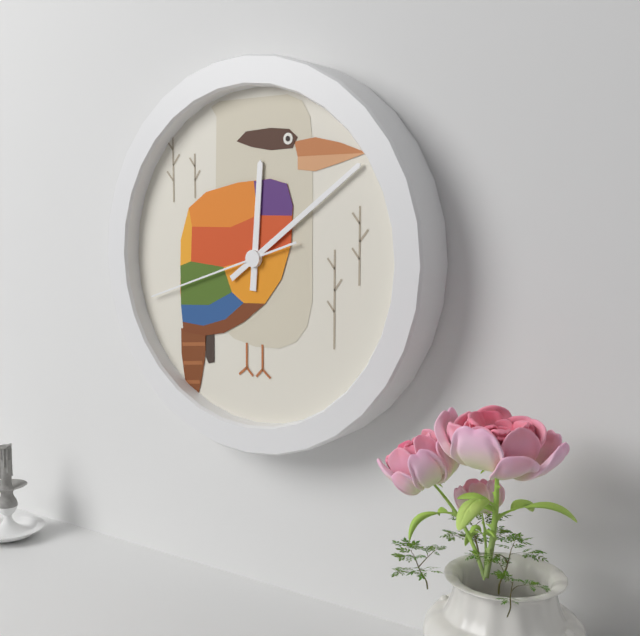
12:09:42
